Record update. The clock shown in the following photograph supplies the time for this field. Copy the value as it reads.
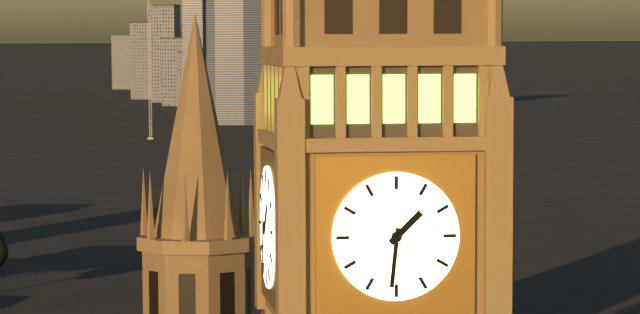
1:31
